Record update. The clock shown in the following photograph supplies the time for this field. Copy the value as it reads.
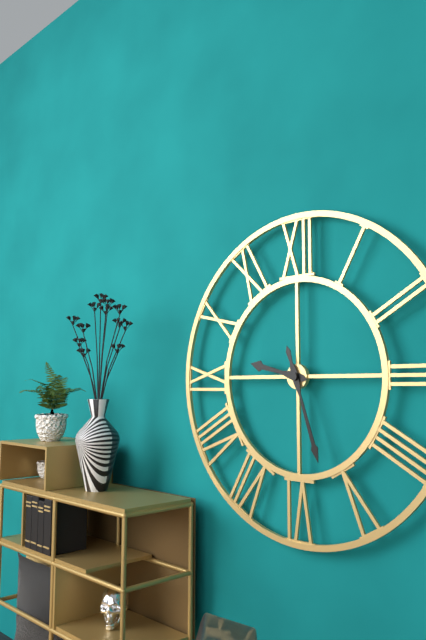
9:27
